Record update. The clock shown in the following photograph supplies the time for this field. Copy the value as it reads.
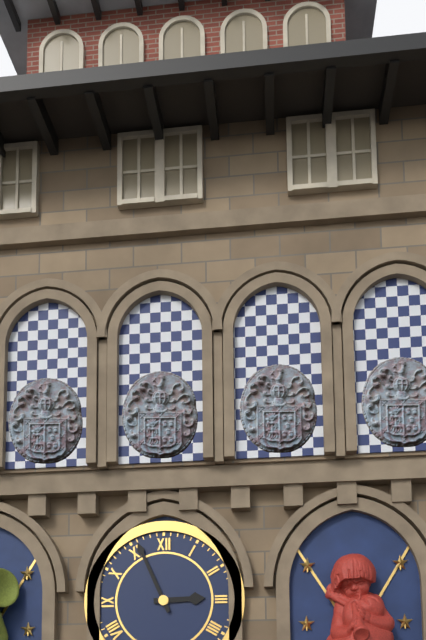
2:56
